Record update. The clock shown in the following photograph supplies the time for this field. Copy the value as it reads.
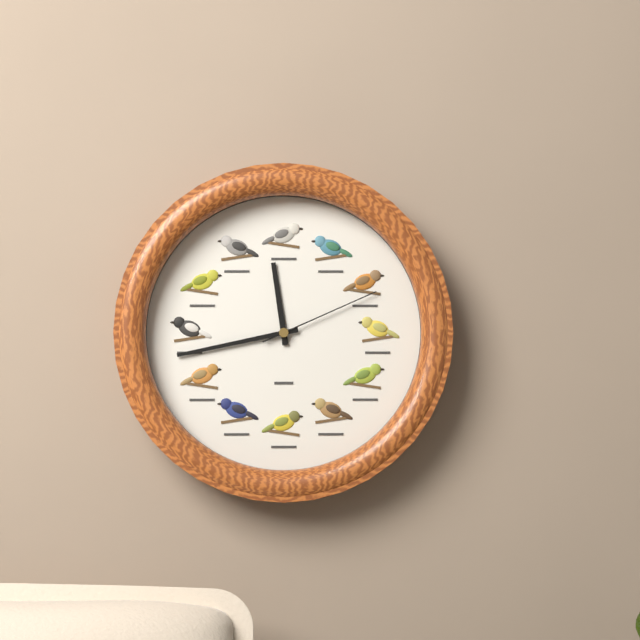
11:43:11
